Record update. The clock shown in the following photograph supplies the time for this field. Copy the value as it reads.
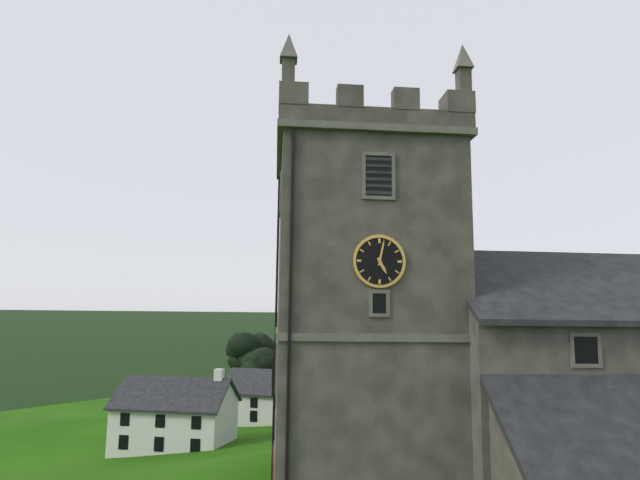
5:02
